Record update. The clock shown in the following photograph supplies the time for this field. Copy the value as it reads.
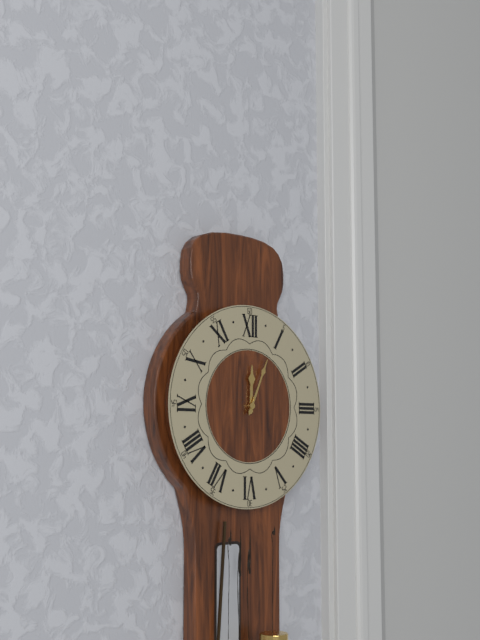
12:04
